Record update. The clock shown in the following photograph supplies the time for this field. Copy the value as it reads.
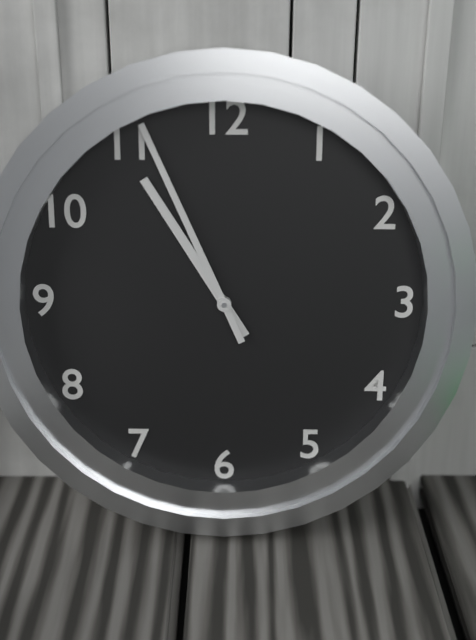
10:56
